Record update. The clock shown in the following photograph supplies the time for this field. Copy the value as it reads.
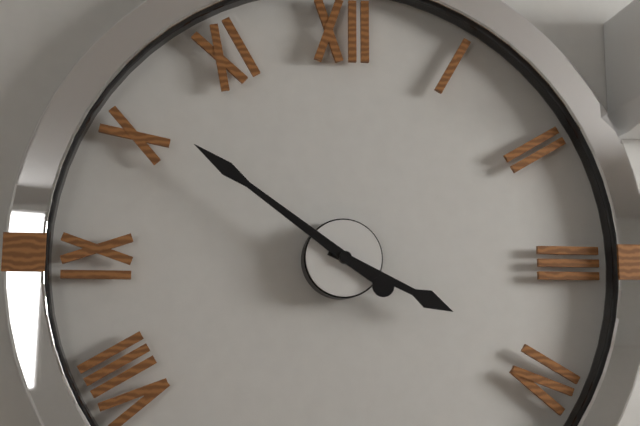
3:51
